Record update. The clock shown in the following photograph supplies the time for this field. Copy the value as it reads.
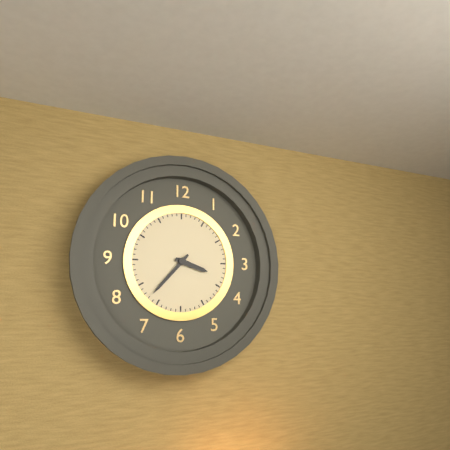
3:37
